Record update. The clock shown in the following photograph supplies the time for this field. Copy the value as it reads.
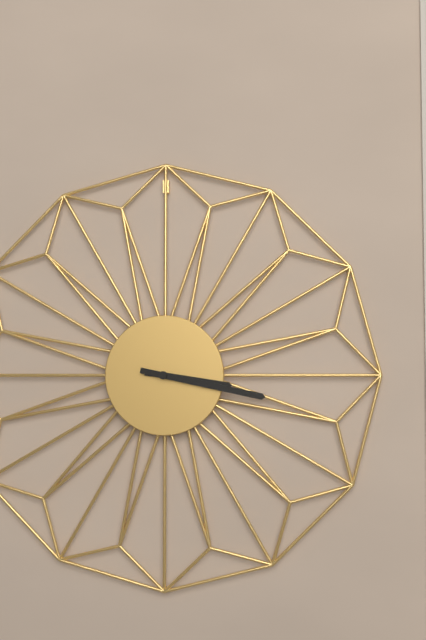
3:17
